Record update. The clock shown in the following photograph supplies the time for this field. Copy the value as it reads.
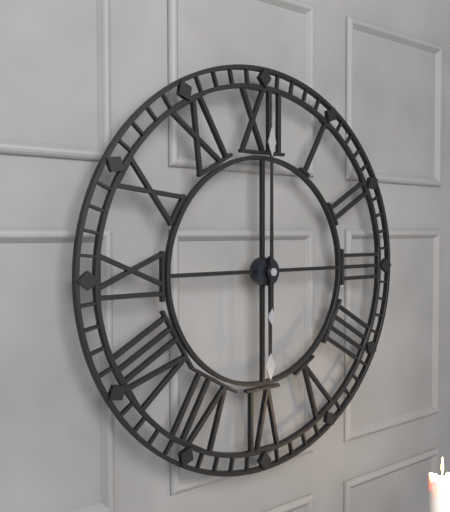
6:00
